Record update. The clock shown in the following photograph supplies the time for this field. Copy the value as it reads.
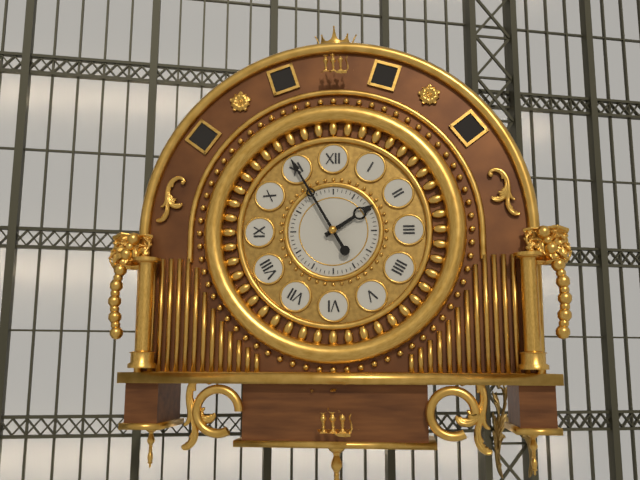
1:55
